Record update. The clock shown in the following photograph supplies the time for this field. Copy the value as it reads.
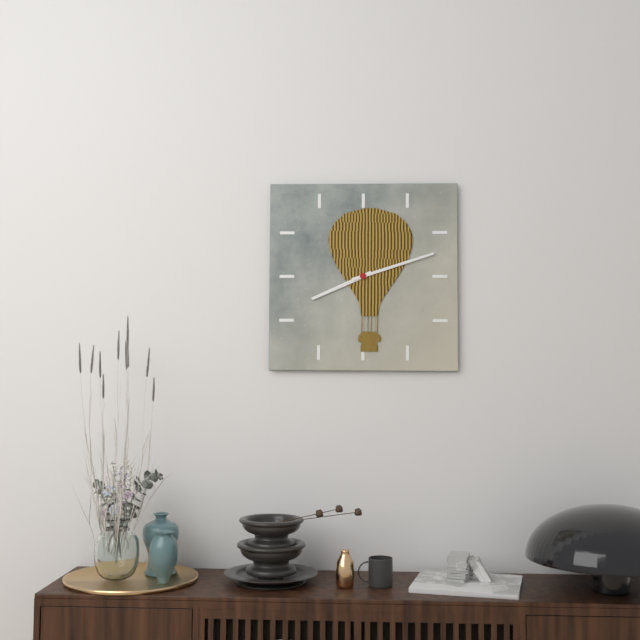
8:12
